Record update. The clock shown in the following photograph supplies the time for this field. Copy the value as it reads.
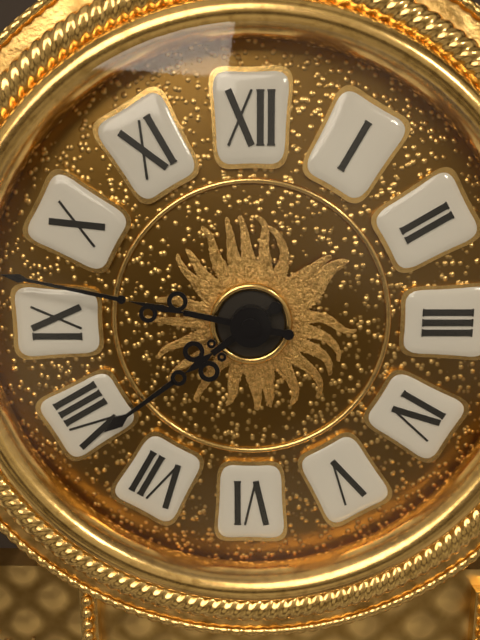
7:47
